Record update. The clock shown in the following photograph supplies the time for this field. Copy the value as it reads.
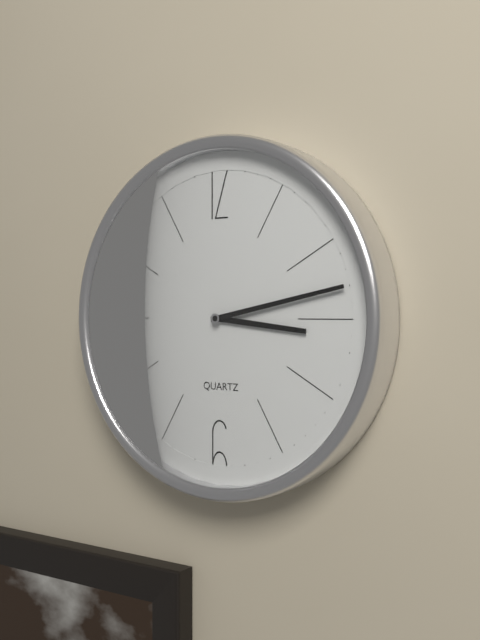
3:13
